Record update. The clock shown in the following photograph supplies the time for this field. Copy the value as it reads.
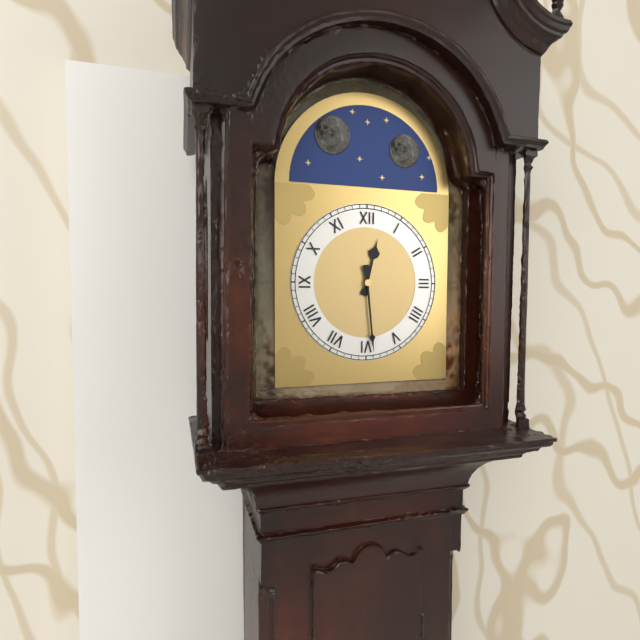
12:29
